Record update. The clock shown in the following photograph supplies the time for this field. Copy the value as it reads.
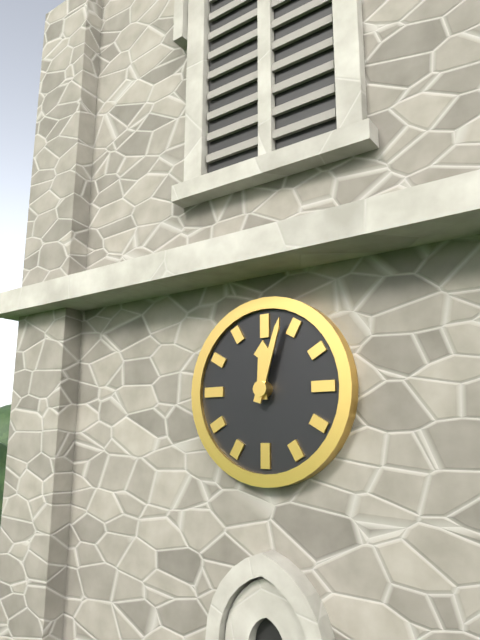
12:03
